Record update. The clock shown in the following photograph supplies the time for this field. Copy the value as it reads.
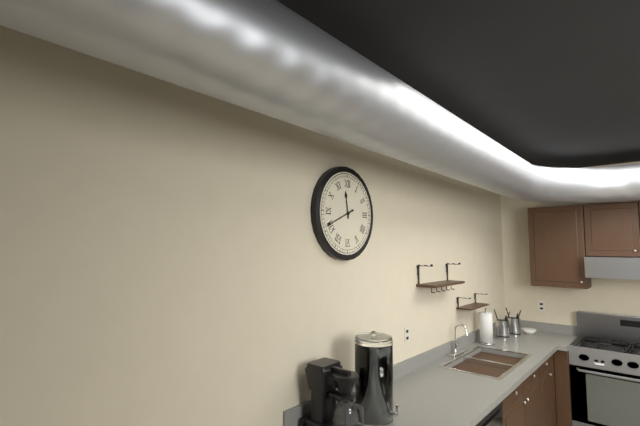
11:41
